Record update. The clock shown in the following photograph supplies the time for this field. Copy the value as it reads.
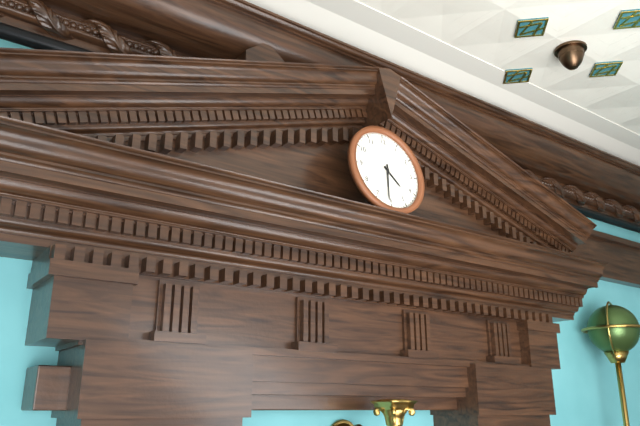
4:31
